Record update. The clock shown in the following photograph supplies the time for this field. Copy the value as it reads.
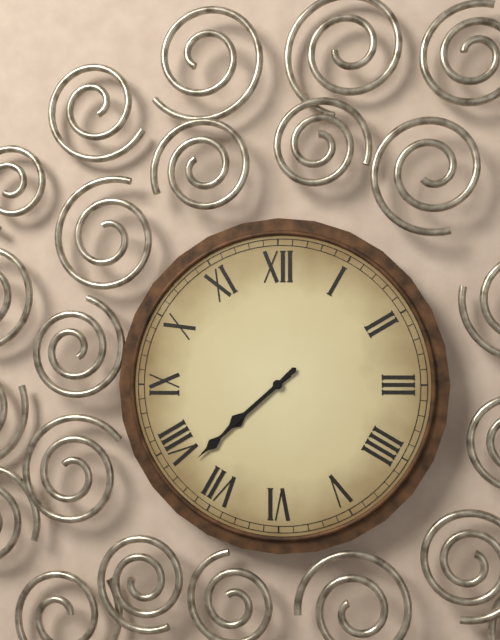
7:38
